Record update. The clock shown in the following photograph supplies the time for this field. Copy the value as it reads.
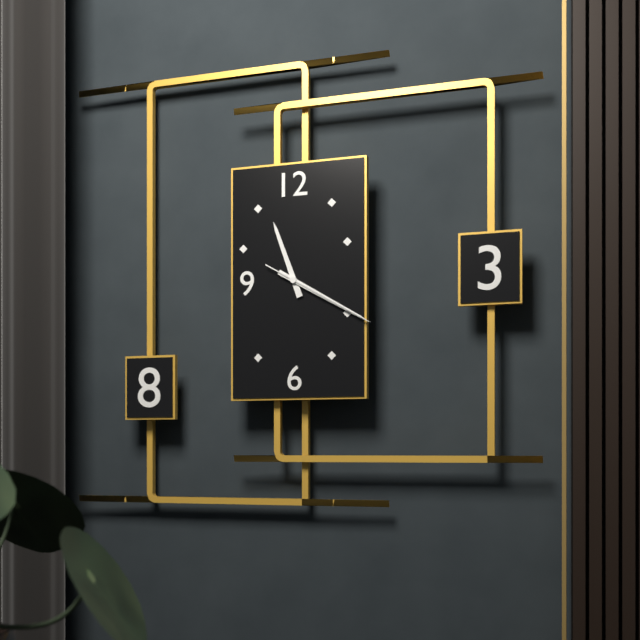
11:20:20
